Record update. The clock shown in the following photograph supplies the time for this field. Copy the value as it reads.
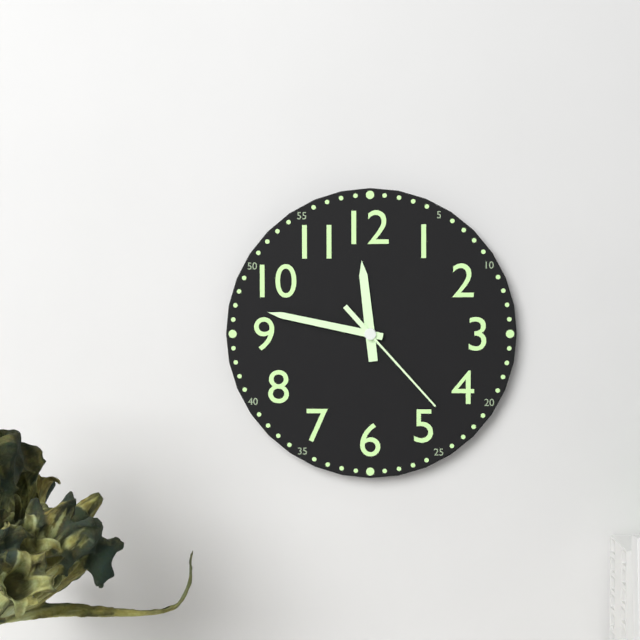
11:47:23
